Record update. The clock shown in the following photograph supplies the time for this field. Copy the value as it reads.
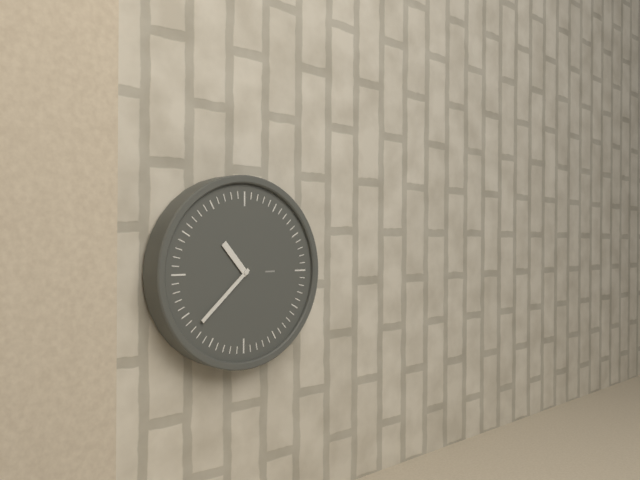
10:38
